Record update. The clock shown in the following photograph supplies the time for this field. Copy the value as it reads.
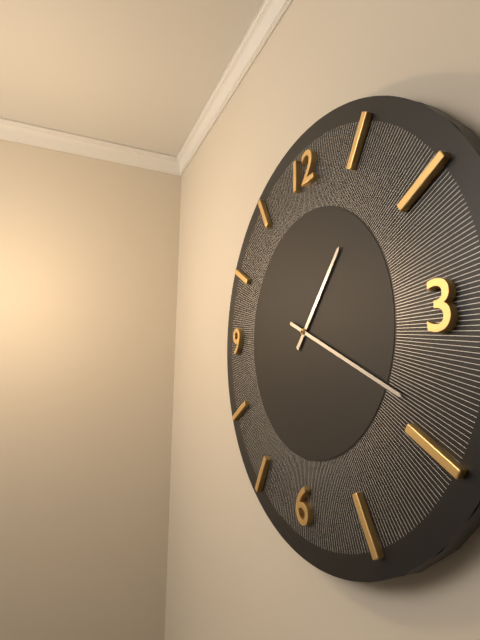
1:19
